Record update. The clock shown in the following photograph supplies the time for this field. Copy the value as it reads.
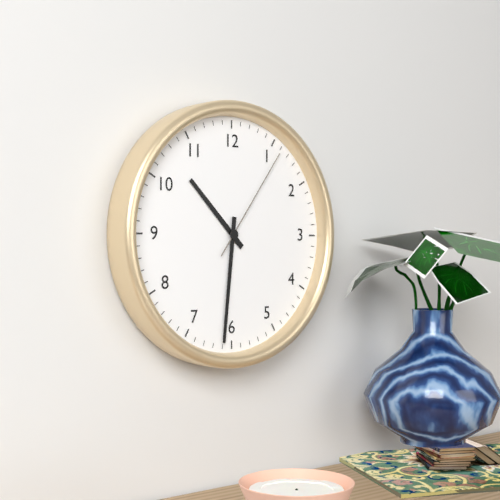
10:31:06
